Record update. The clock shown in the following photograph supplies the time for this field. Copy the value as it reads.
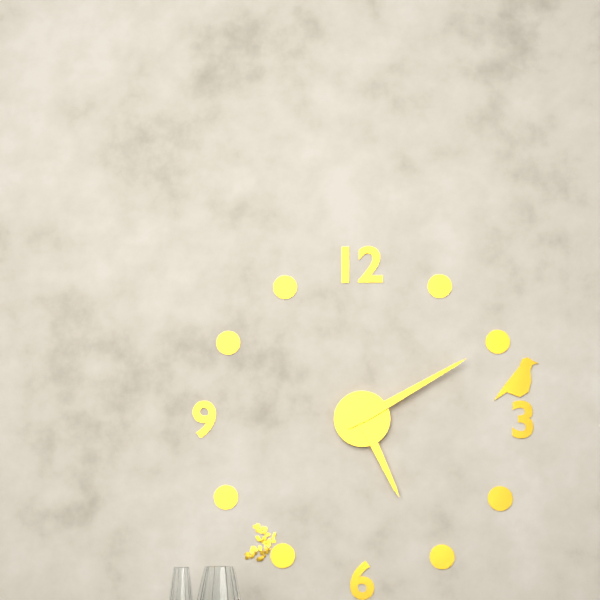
5:10
